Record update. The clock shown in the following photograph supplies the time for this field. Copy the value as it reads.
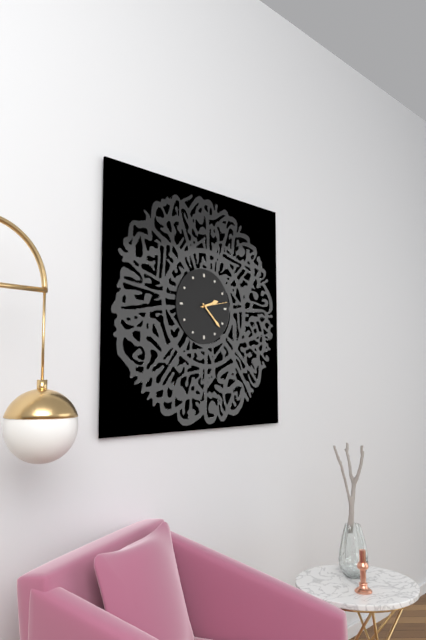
2:22
